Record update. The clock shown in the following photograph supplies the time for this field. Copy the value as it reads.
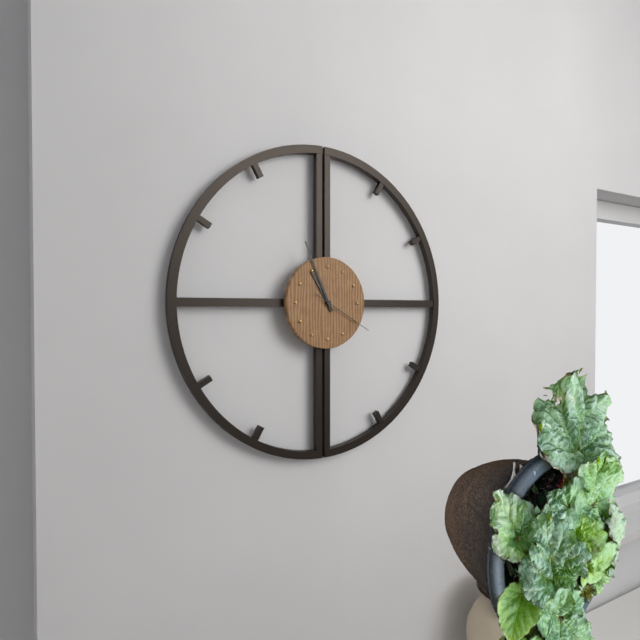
10:56:20
